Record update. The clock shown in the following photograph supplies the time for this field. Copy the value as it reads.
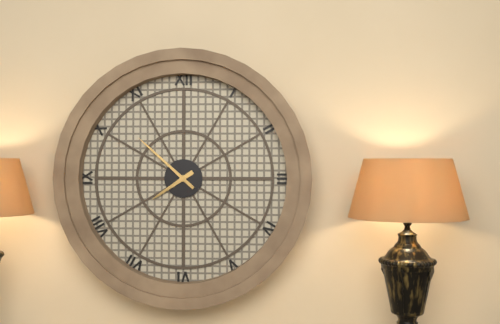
7:52
